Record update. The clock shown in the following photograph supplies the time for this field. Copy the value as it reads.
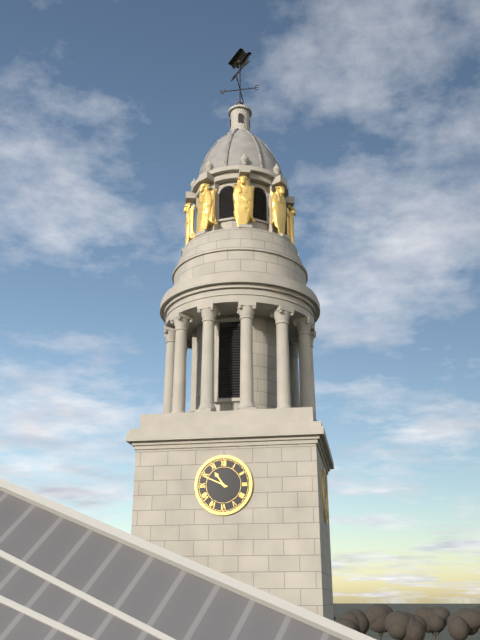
10:49
